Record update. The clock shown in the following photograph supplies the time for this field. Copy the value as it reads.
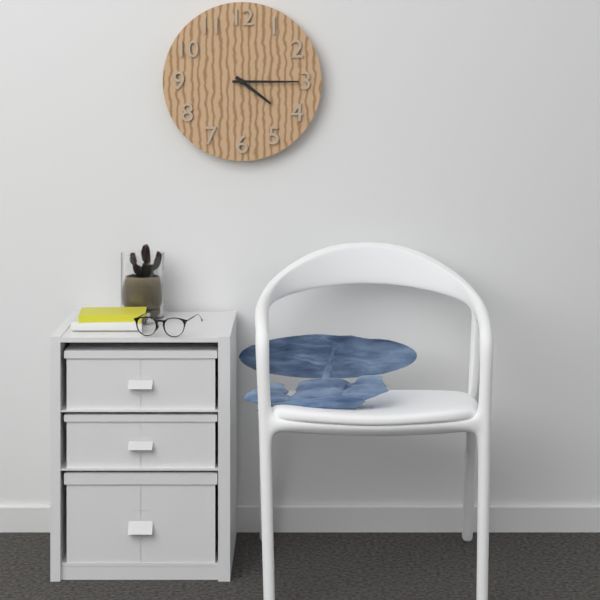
4:15
